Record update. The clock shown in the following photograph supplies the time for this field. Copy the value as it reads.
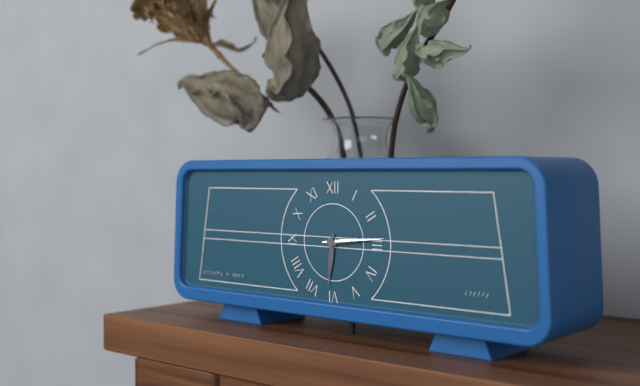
6:14
